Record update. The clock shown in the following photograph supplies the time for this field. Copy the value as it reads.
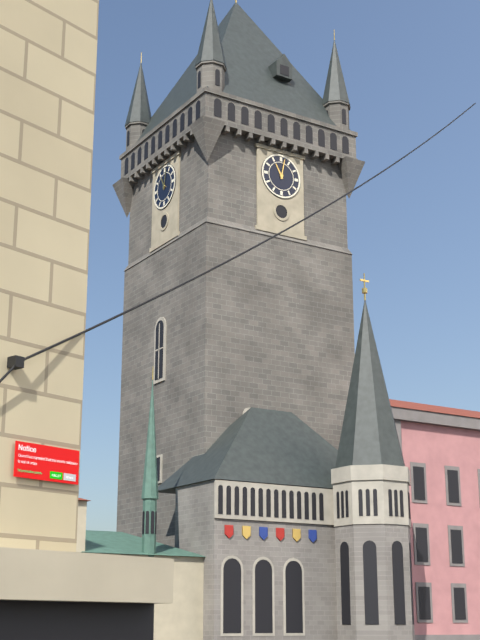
11:02
